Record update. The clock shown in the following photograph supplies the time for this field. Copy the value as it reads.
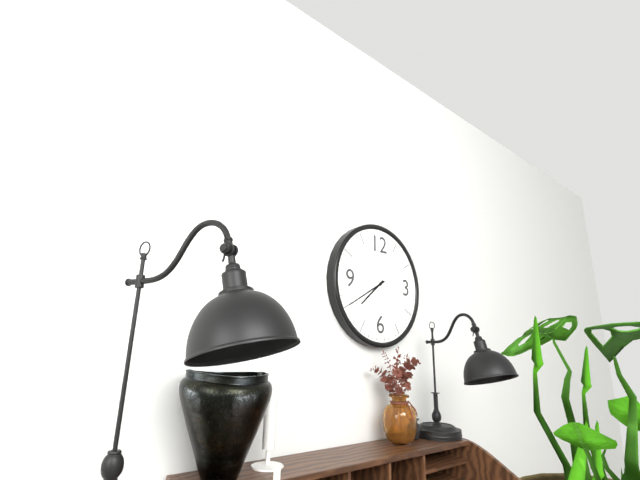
7:40
